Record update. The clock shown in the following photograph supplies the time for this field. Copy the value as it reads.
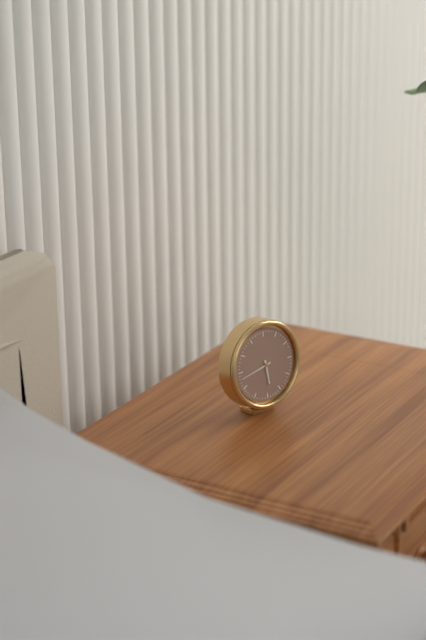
5:43
